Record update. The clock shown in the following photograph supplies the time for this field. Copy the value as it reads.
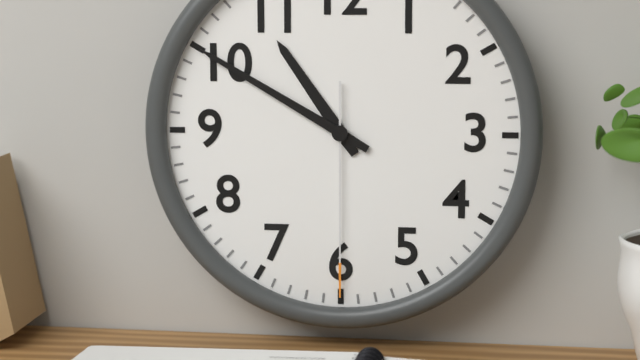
10:50:30
